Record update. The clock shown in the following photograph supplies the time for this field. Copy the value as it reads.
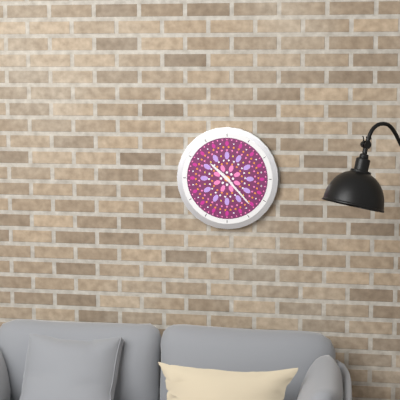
10:23
